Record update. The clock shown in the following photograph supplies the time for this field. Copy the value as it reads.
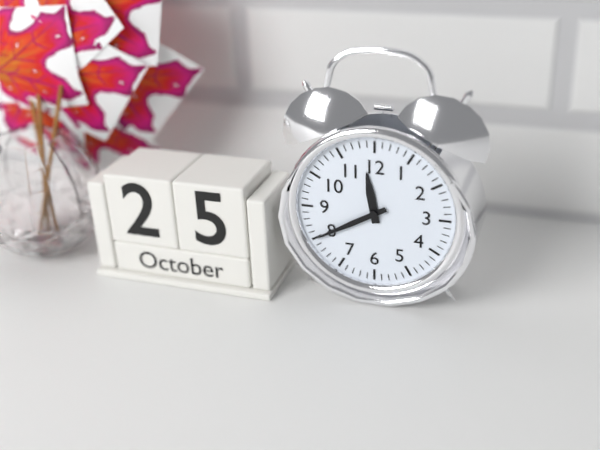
11:40
